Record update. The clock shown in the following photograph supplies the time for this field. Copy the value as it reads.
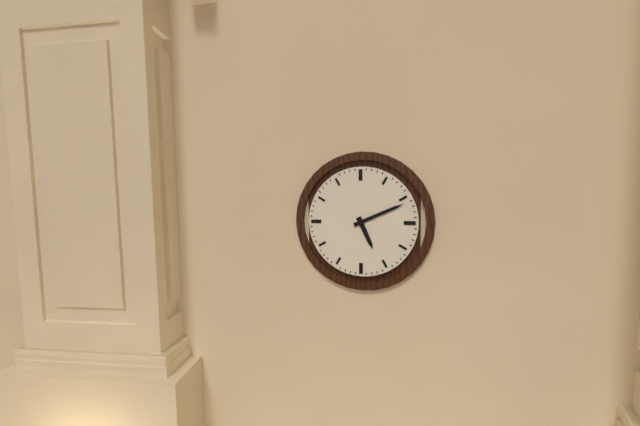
5:11
